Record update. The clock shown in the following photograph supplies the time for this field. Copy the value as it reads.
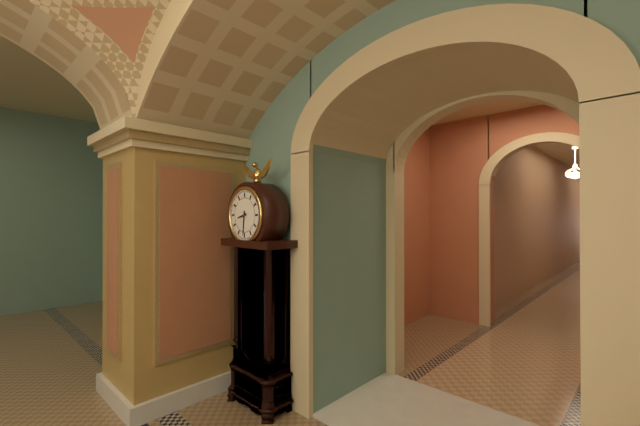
8:31
